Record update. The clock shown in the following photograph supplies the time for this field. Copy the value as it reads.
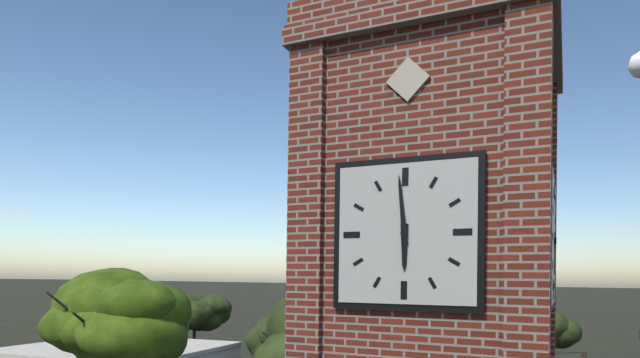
5:59
